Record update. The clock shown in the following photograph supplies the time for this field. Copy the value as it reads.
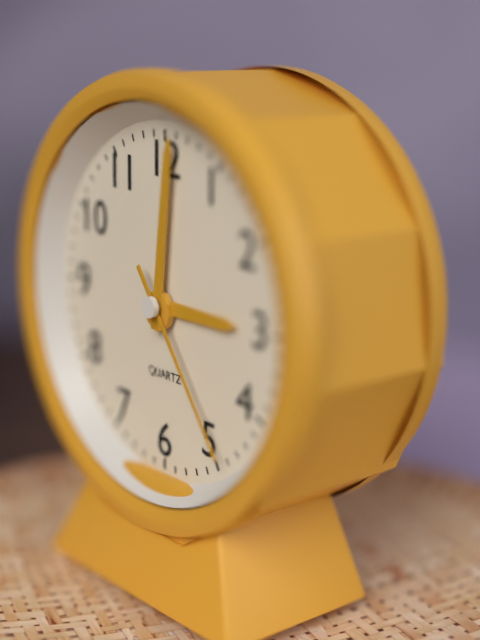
3:01:24
